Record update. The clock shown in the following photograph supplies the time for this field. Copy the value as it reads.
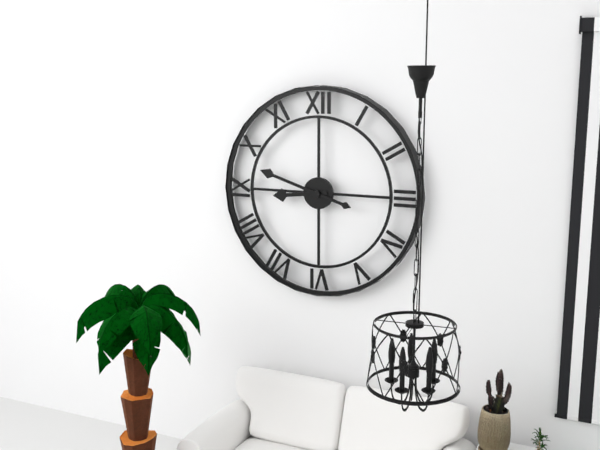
8:48
